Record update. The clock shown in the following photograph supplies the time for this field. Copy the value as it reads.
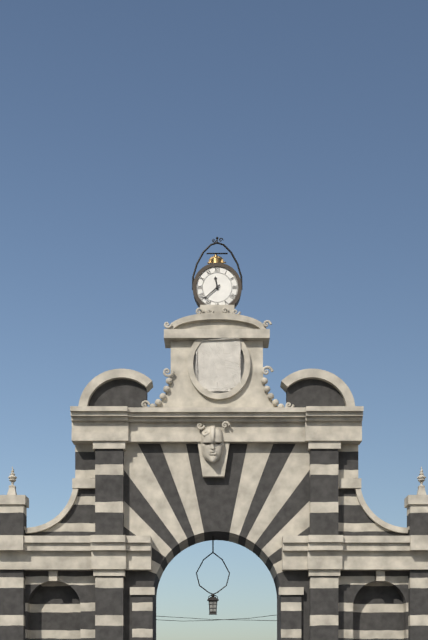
11:38
